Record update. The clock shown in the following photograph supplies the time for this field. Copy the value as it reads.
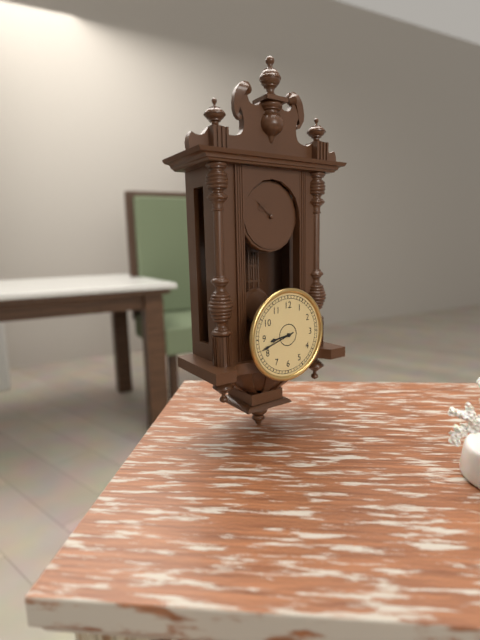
8:42
